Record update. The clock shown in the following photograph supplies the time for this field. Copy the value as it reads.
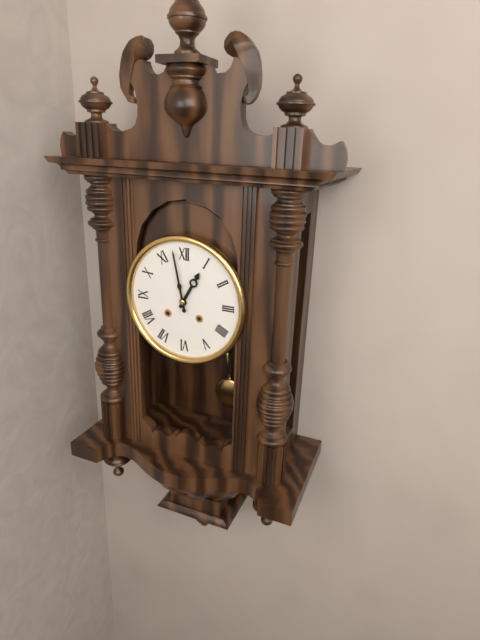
12:58
